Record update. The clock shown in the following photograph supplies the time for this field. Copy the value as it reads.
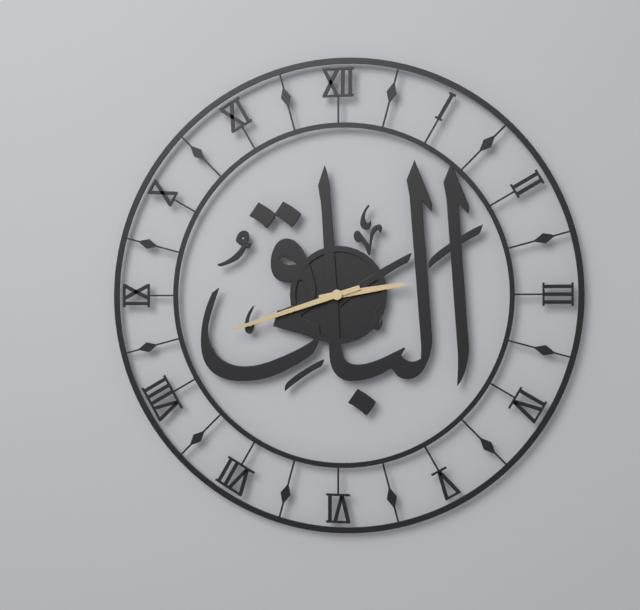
2:42
